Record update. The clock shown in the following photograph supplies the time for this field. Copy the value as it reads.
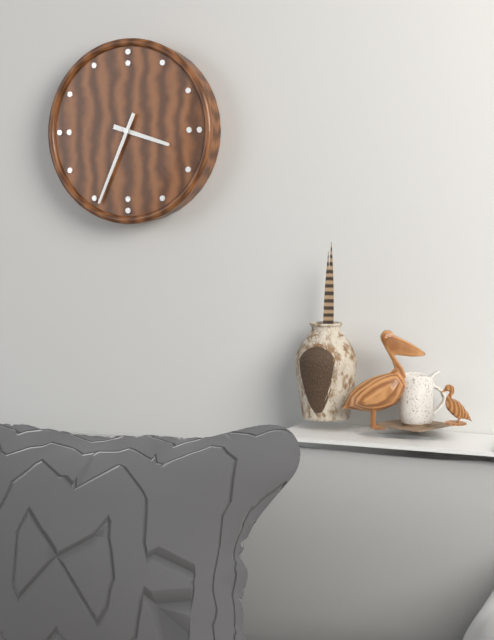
3:34
